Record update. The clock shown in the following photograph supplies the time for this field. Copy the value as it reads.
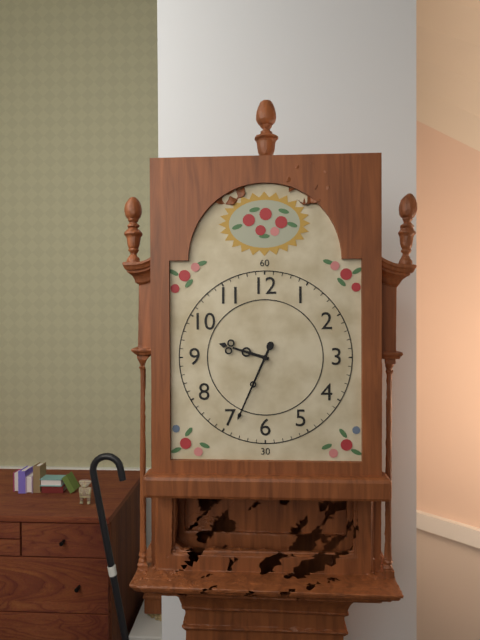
9:34
